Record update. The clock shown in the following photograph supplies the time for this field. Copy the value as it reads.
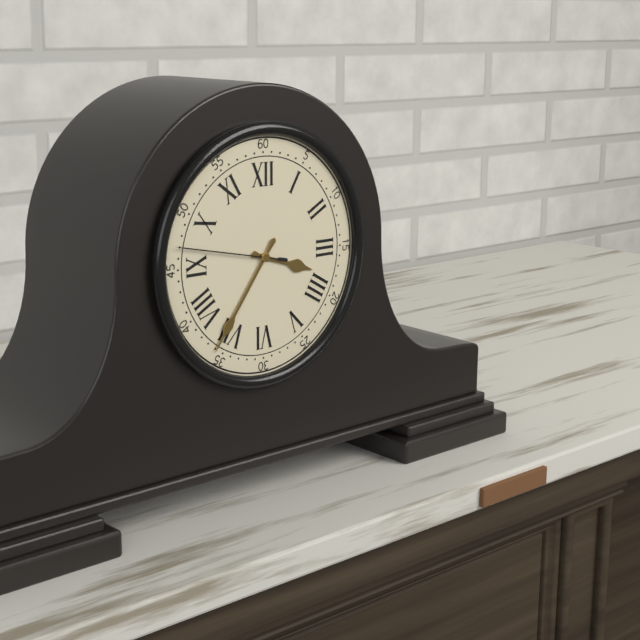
3:36:47
